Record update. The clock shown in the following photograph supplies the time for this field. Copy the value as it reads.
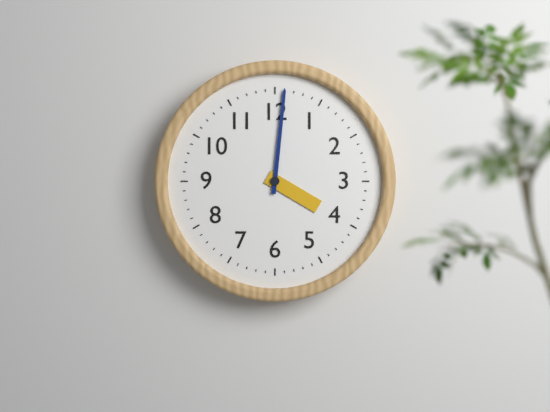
4:01
